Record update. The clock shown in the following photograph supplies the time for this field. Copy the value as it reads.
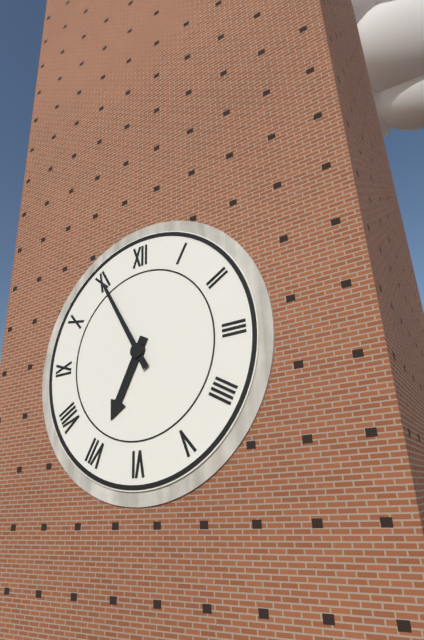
6:55
